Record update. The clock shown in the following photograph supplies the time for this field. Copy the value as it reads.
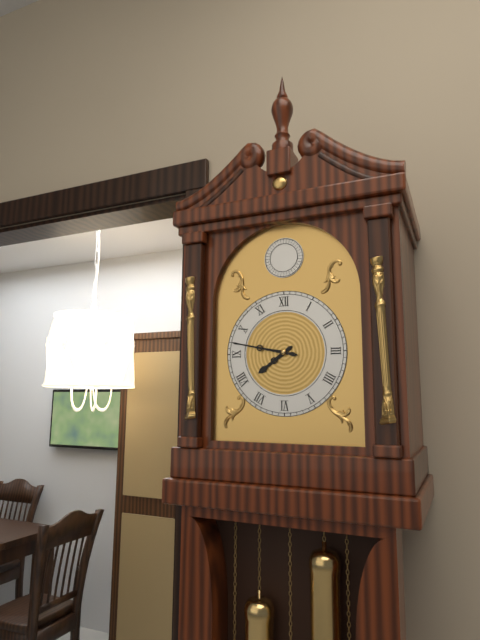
7:47
